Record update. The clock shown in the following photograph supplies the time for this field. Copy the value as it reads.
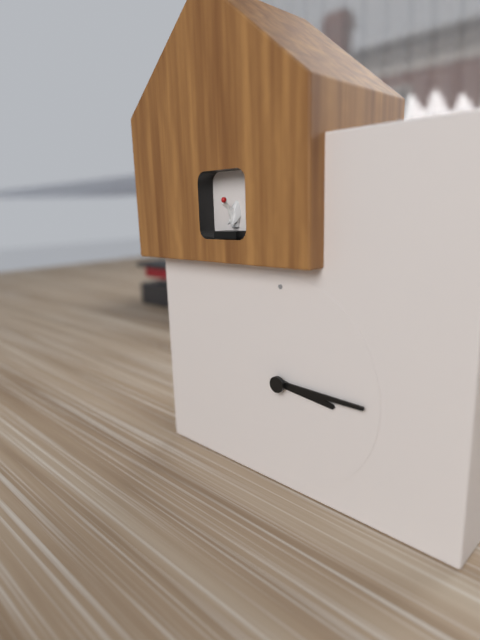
3:15
